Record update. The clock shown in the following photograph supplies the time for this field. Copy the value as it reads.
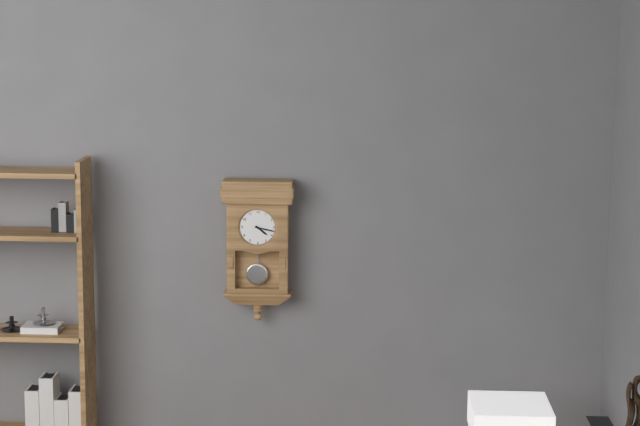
4:17
